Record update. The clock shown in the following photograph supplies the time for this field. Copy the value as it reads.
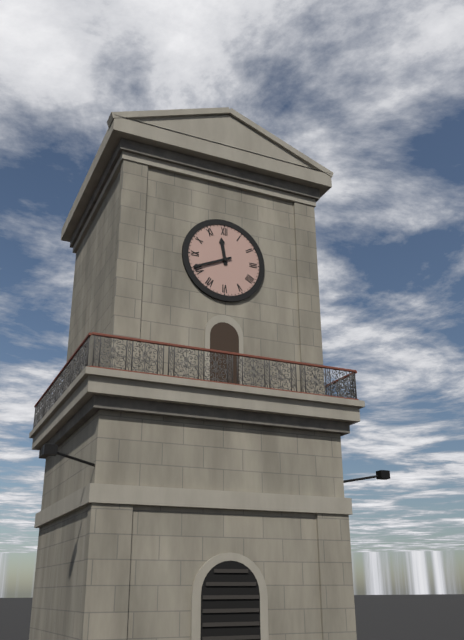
11:41
